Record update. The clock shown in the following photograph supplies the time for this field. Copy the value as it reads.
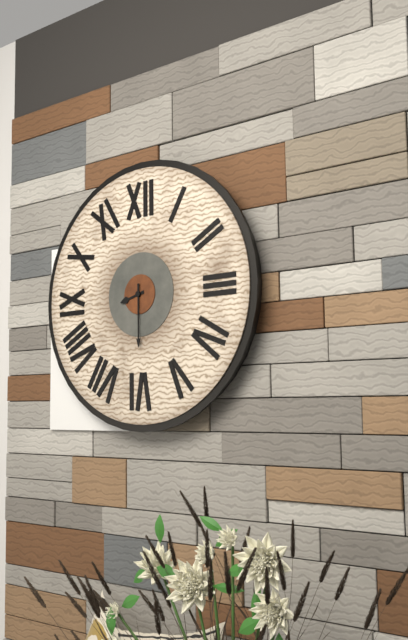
8:30
